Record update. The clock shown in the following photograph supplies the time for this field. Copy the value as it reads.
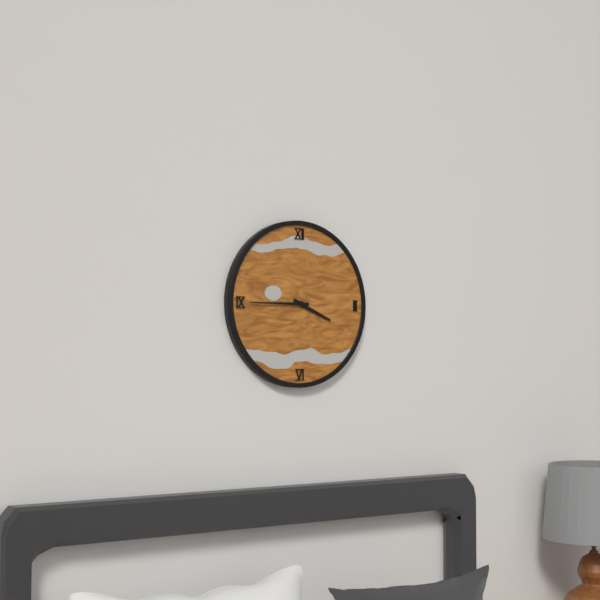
3:45
